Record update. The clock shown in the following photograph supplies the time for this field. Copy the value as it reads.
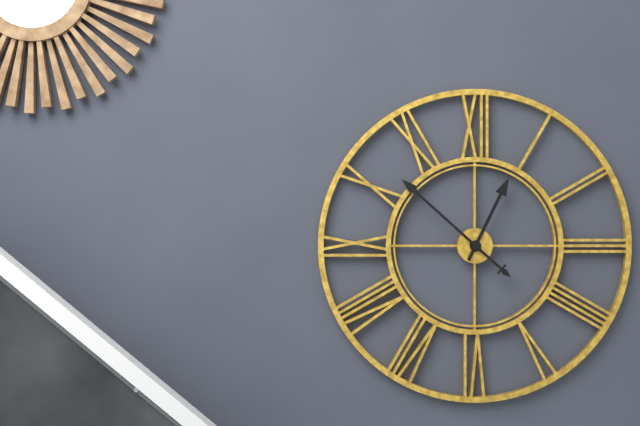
12:52
